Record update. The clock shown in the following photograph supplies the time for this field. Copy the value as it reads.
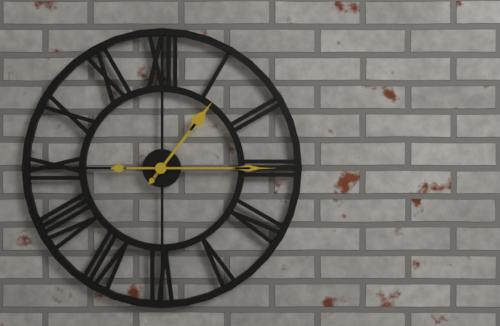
1:15
